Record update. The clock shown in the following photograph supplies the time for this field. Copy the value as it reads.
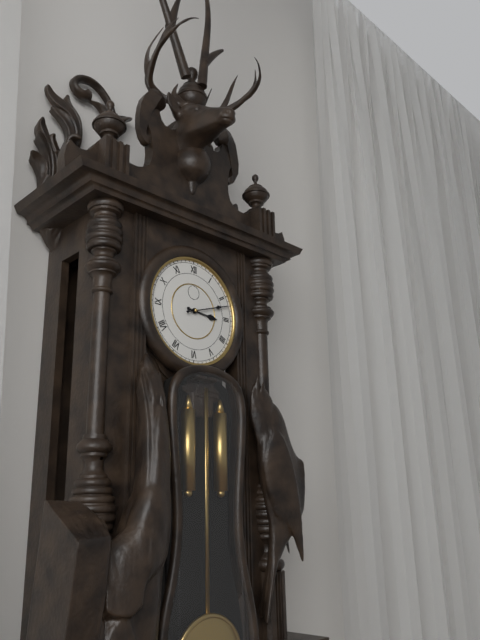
3:12
